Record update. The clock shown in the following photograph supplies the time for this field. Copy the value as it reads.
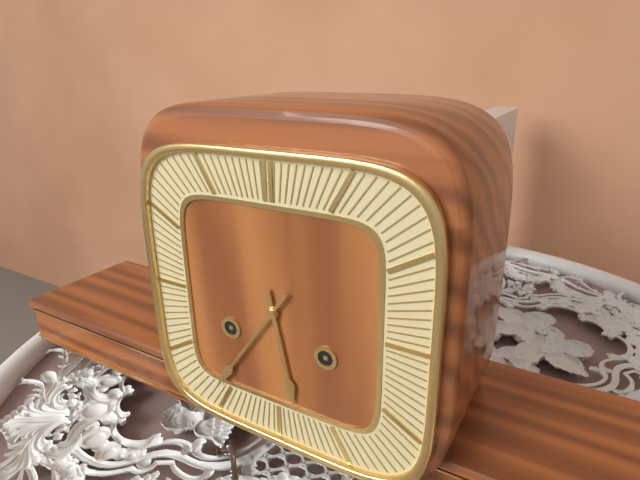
5:36
